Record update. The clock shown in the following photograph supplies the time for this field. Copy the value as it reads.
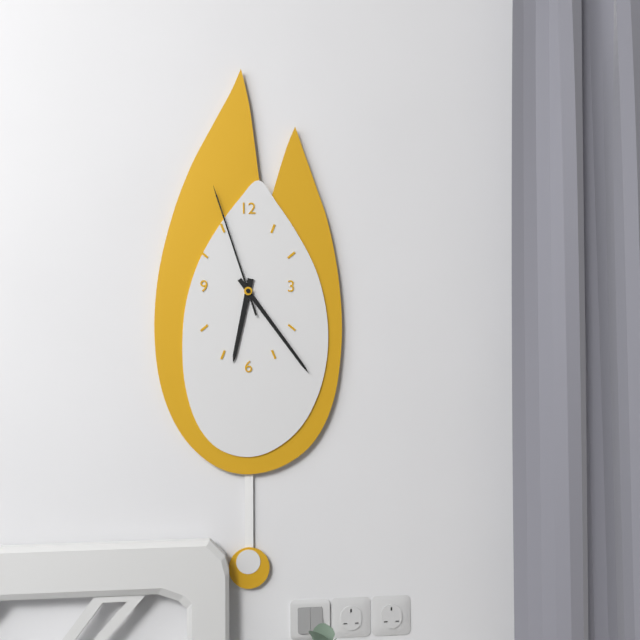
6:24:57
